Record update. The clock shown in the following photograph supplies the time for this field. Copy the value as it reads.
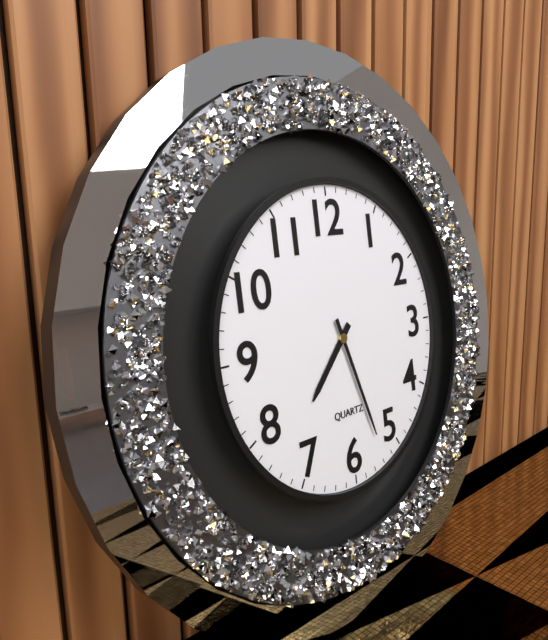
7:27
